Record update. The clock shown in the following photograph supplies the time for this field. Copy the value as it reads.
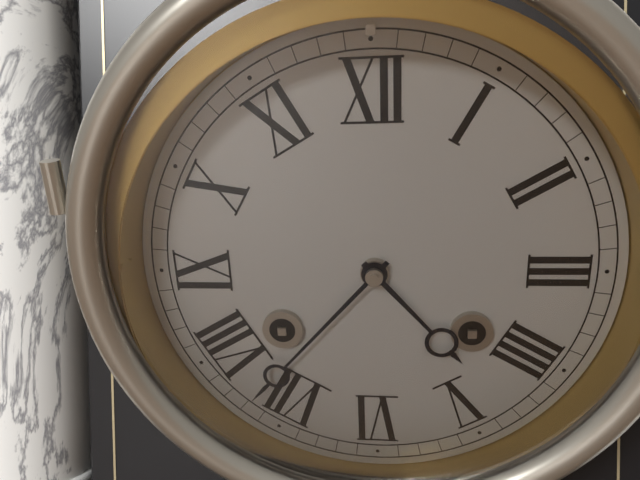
4:37
